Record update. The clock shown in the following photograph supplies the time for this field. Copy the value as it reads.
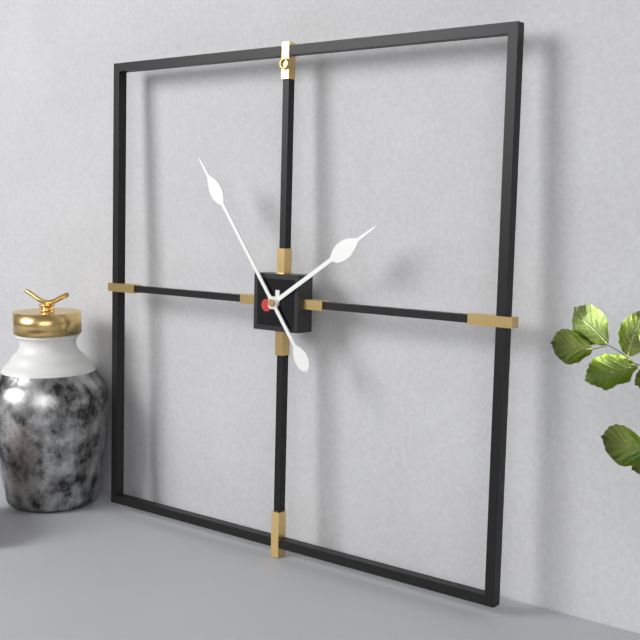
1:54
